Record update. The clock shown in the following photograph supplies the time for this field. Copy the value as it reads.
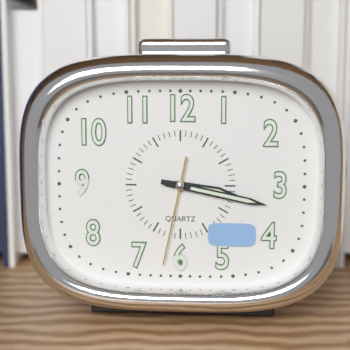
3:17:32
